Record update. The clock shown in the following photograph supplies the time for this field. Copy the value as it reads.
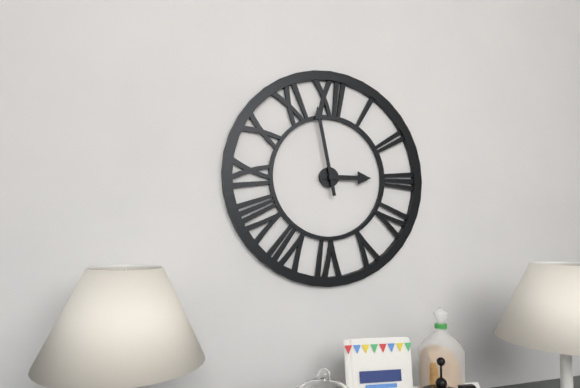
2:58
